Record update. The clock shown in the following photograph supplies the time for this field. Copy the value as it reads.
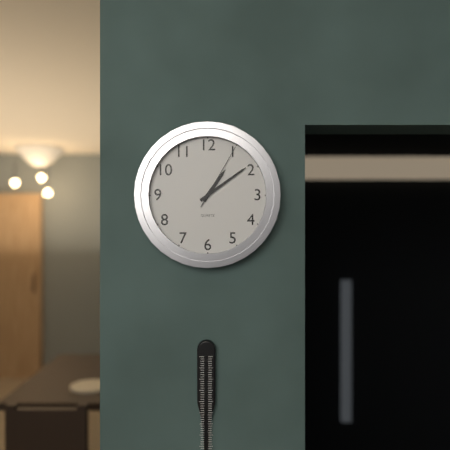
1:09:05
